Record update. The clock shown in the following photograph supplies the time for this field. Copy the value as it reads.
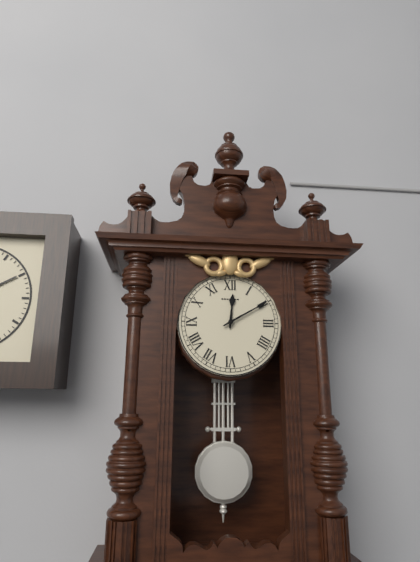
12:10
